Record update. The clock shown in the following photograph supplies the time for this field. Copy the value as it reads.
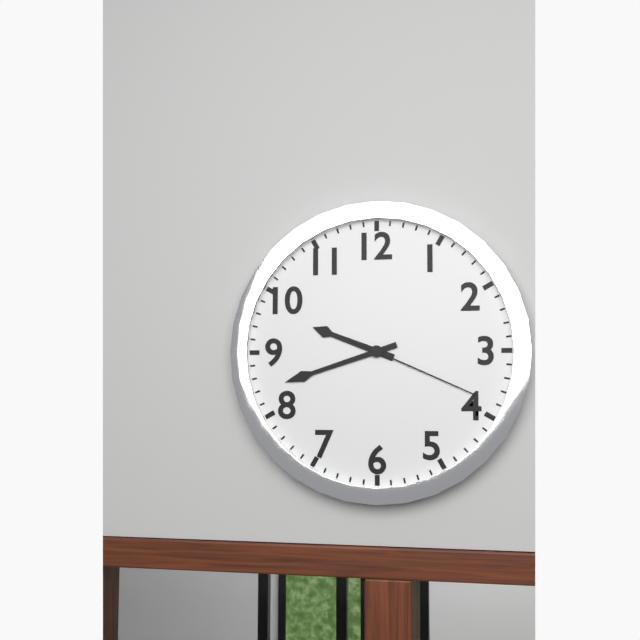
9:42:19
